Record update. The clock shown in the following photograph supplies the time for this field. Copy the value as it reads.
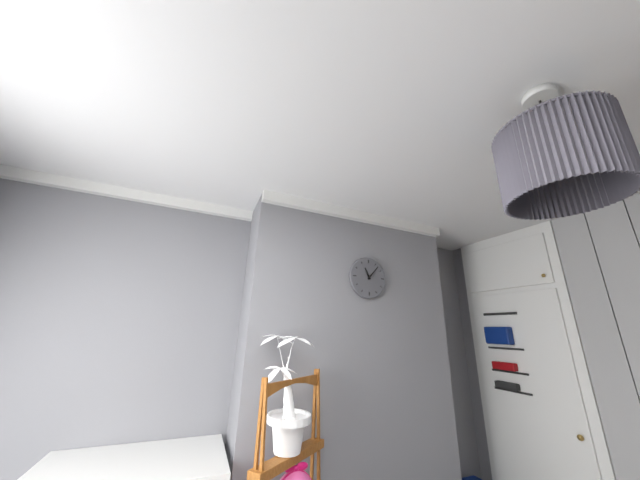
11:07
